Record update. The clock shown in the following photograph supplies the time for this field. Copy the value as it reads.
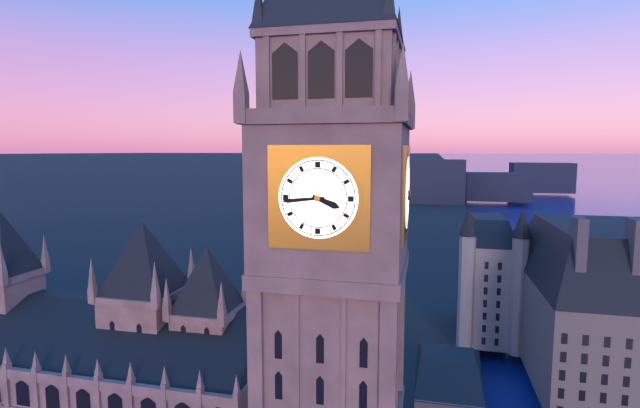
3:44
